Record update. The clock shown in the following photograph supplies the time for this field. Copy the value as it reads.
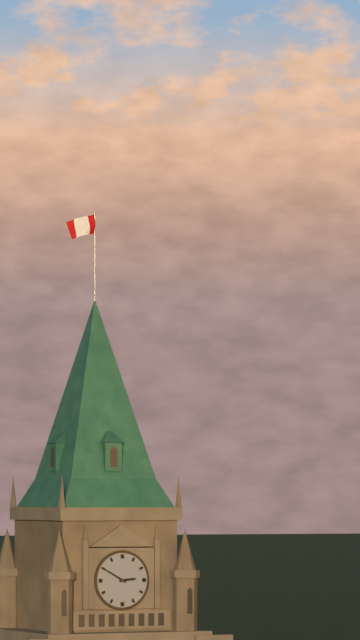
2:50
